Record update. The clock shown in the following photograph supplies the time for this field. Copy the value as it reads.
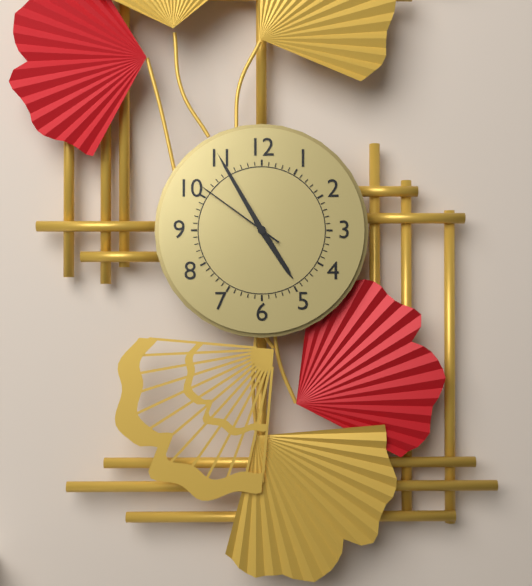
4:55:51
